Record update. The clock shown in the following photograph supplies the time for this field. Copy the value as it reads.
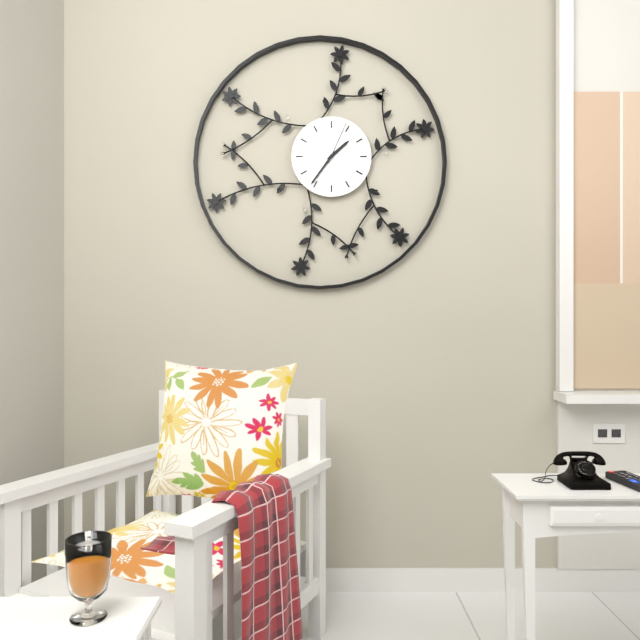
1:36
